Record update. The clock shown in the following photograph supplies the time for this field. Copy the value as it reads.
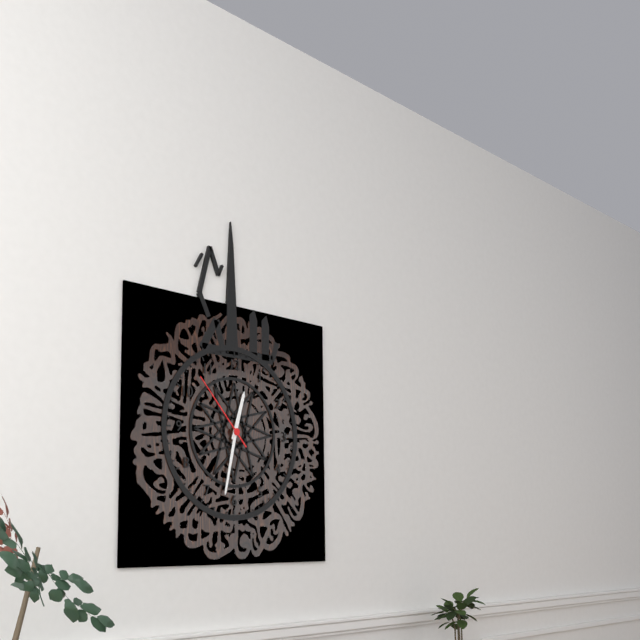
12:32:53
